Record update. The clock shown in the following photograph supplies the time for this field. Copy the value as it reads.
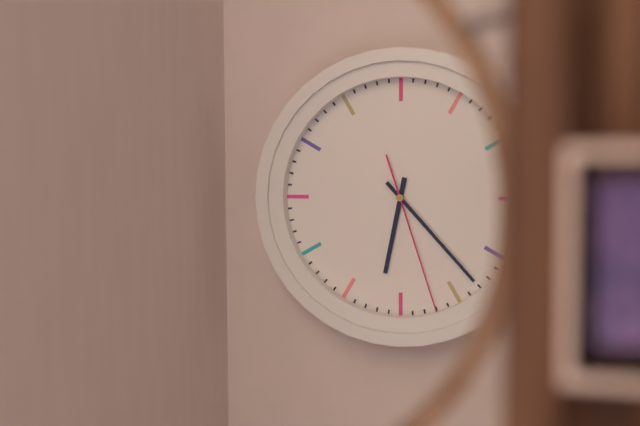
6:23:27
